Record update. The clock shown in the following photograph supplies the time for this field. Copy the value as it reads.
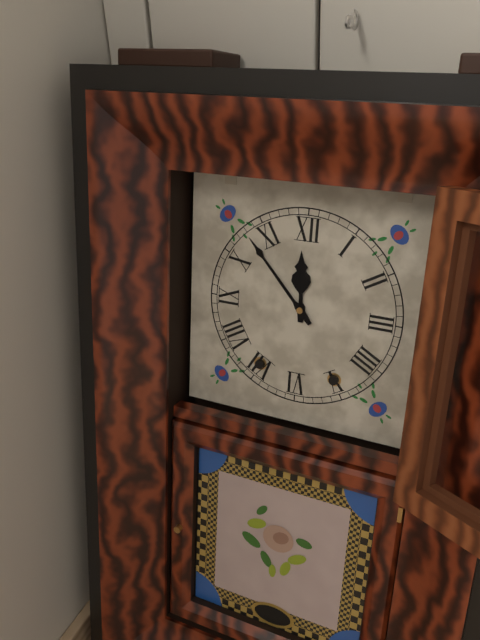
11:53
